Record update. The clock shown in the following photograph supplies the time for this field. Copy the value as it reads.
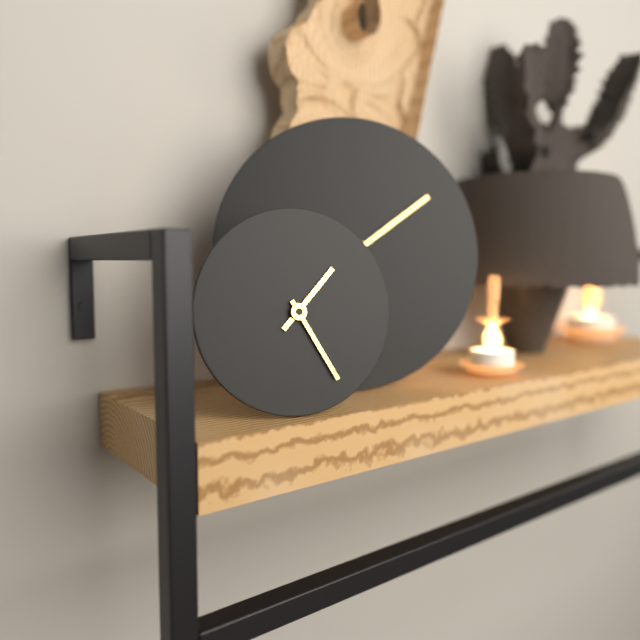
1:25
